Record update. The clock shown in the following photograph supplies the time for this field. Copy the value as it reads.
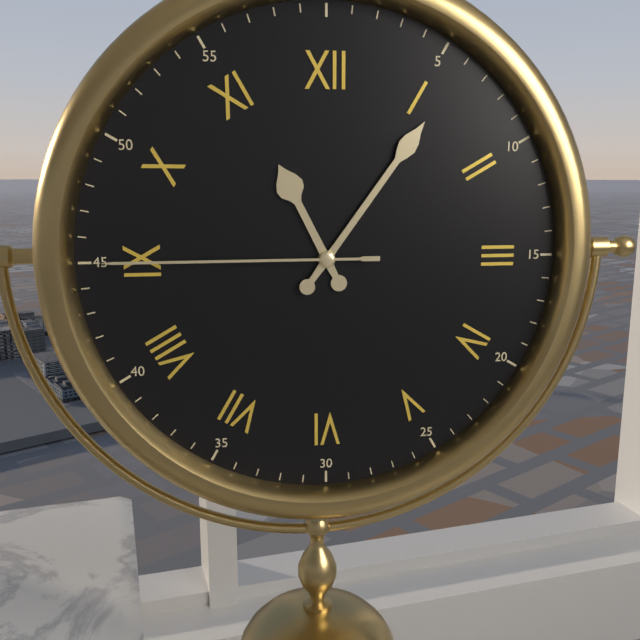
11:06:45
